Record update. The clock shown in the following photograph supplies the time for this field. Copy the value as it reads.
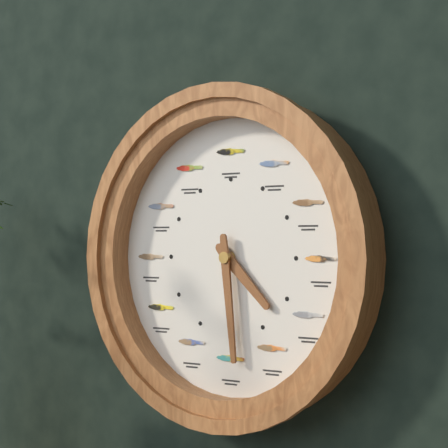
4:29
